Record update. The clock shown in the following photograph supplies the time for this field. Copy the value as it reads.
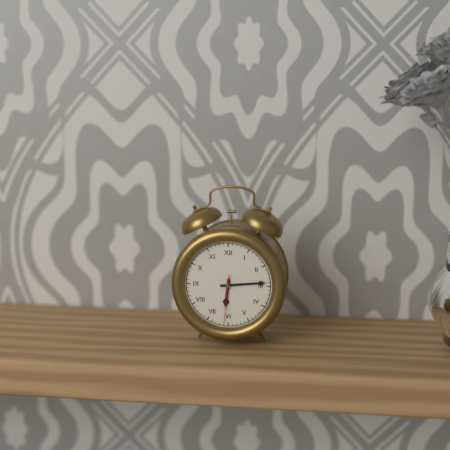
6:14
